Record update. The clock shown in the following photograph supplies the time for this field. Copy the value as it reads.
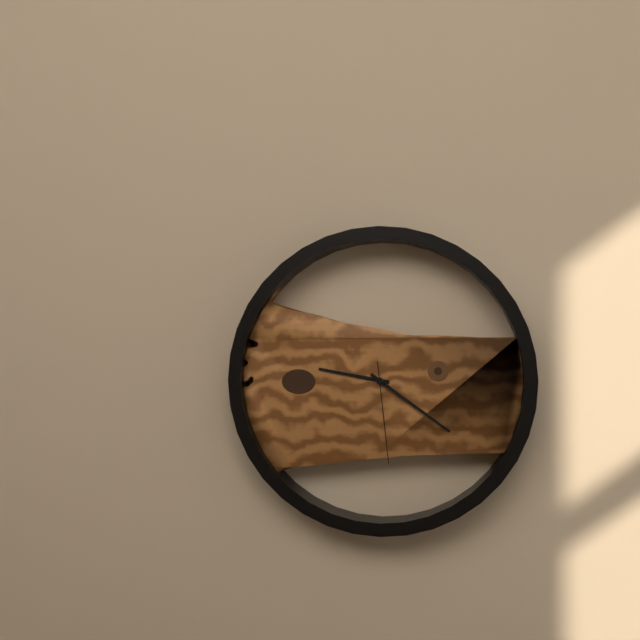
9:21:29
